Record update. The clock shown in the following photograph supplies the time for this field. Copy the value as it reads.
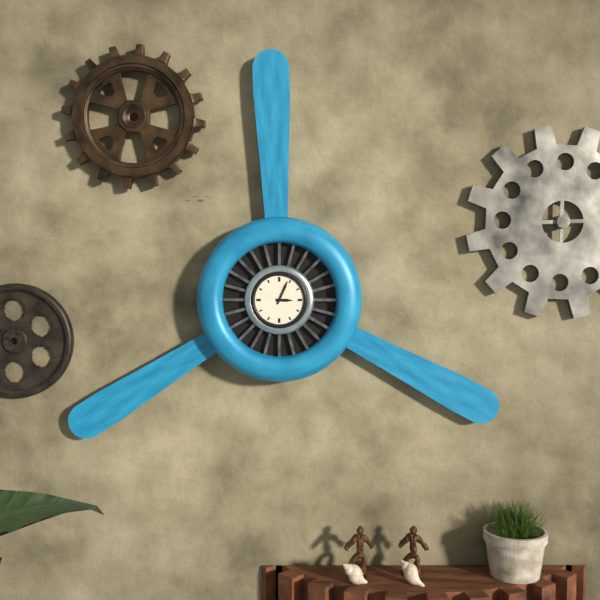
3:04
